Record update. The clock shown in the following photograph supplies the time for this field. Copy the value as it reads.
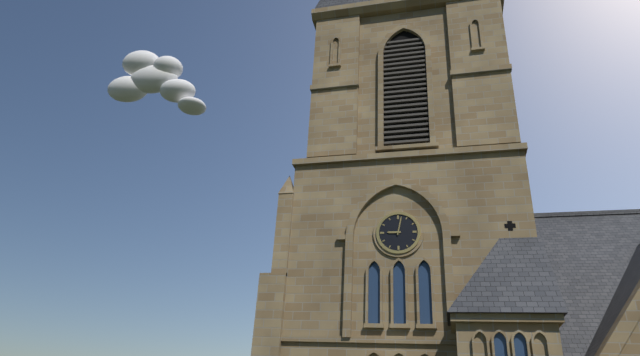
9:02
